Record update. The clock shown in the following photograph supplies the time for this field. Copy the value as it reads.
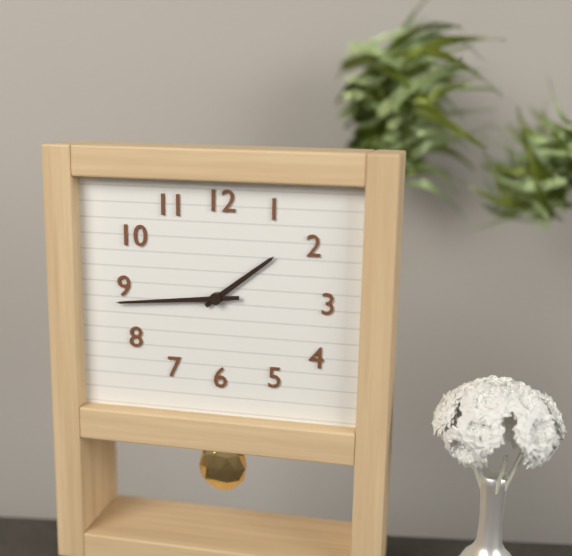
1:44
